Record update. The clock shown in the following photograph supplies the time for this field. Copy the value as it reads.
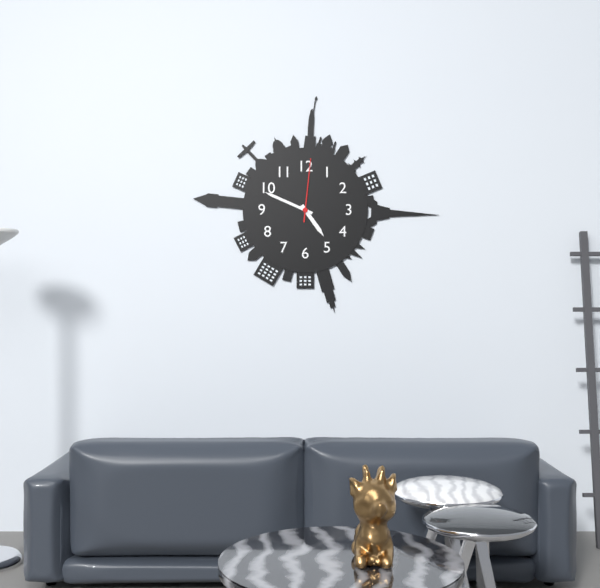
4:49:01
